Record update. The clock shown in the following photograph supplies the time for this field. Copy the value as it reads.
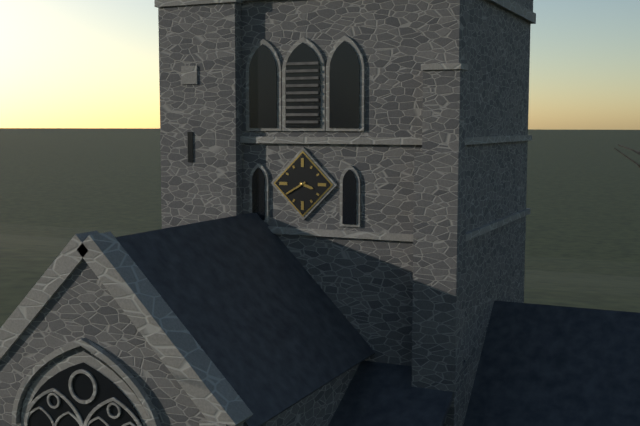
3:40
